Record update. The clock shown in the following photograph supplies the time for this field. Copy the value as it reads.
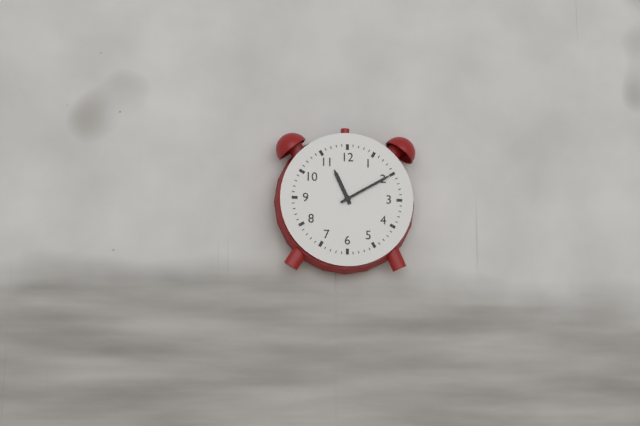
11:10
